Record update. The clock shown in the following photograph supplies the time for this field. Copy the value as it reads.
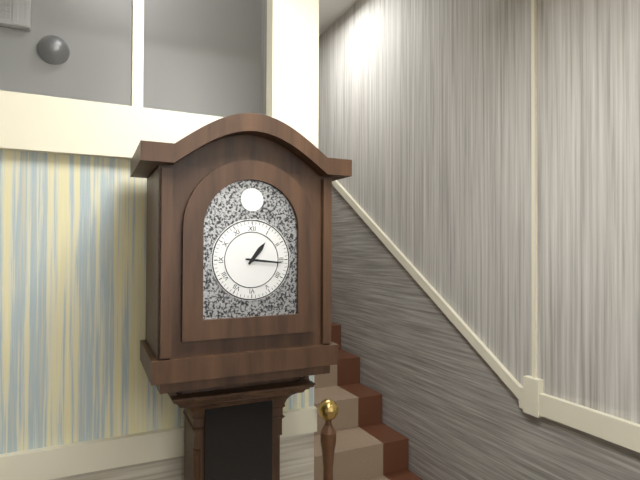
1:16
